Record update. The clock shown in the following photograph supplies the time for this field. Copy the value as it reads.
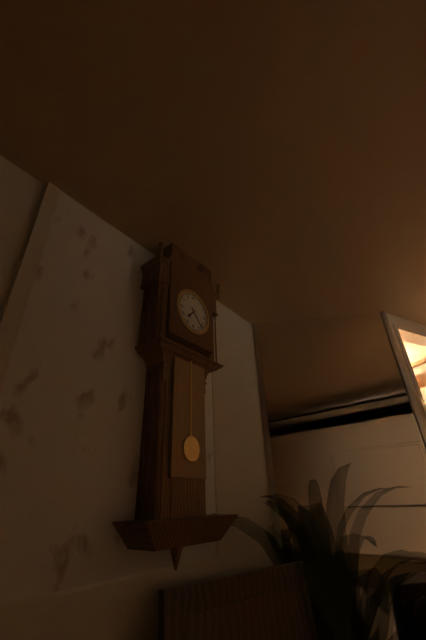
7:23
